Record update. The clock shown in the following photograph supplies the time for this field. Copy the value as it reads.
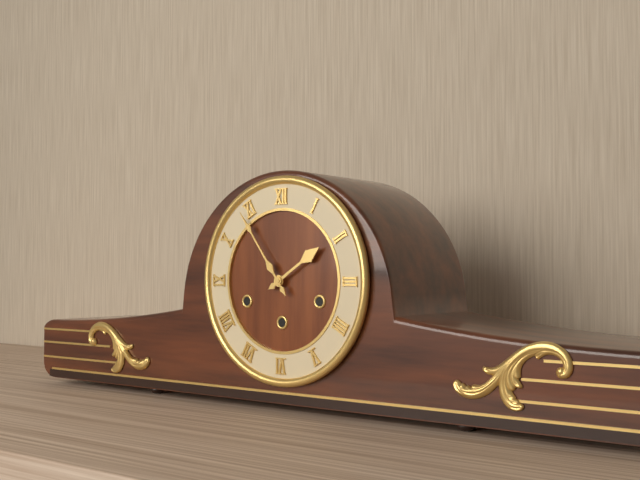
1:54
